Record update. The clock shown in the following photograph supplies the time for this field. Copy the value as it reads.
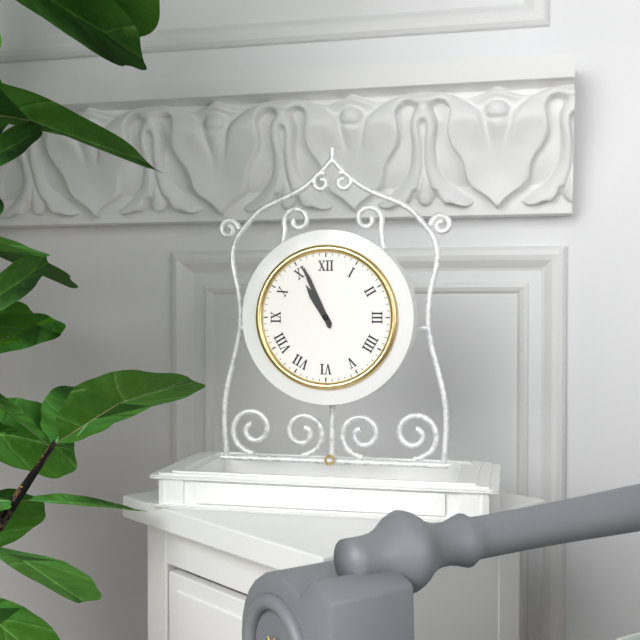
10:56
